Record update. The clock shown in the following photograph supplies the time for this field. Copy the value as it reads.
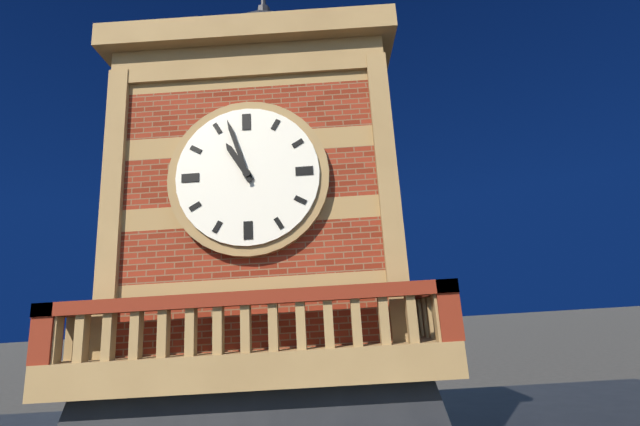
10:57
